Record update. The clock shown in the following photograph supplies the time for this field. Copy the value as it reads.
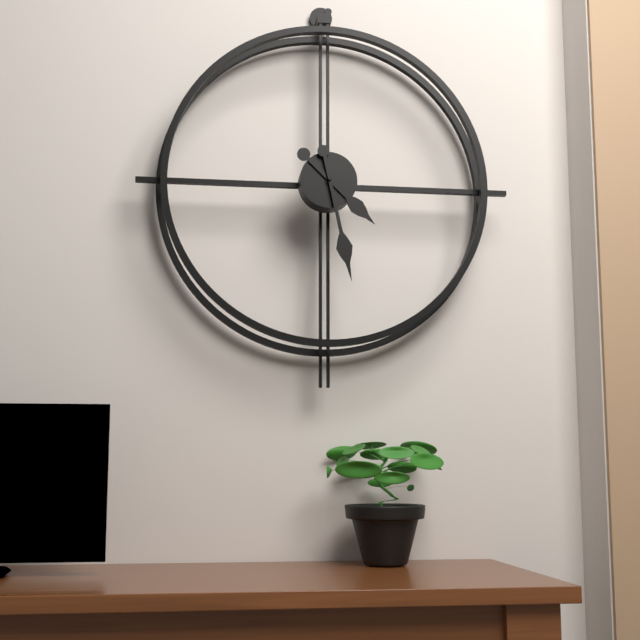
4:28
